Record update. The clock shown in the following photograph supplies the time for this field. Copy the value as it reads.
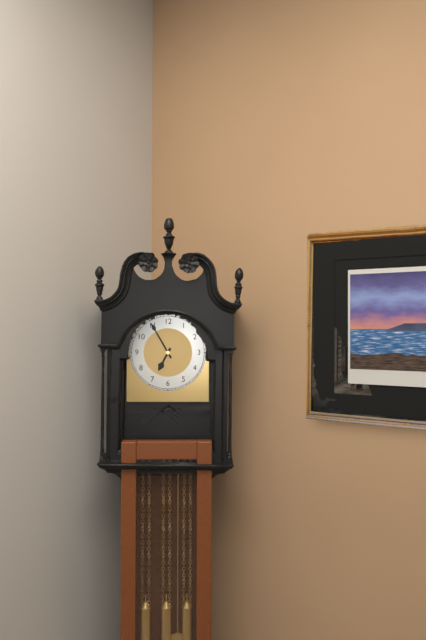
6:55
